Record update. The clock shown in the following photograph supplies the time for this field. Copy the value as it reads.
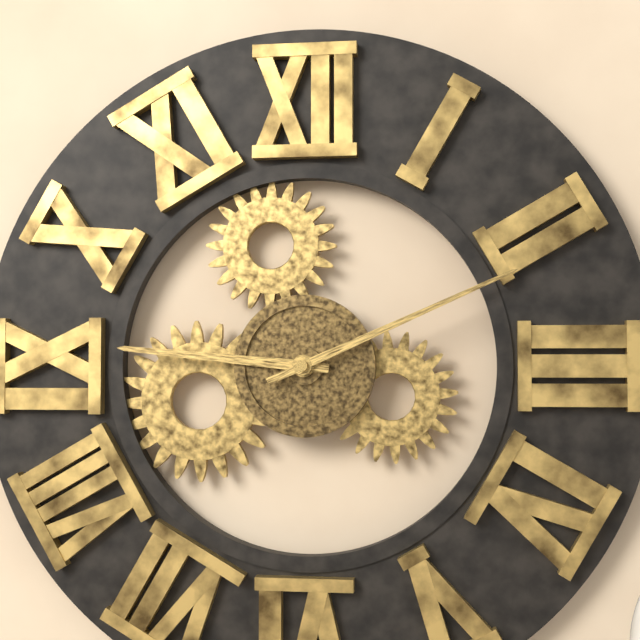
9:11
